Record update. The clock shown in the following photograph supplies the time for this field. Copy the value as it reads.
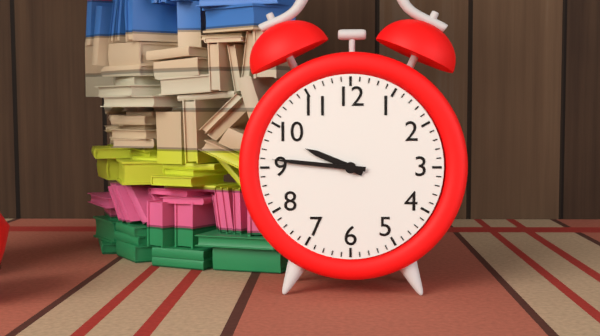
9:46
